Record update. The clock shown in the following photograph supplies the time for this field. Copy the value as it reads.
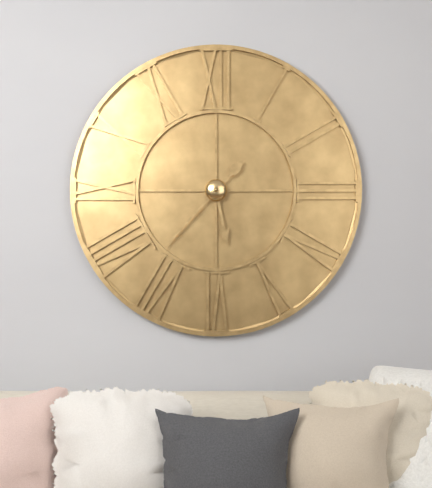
5:37
